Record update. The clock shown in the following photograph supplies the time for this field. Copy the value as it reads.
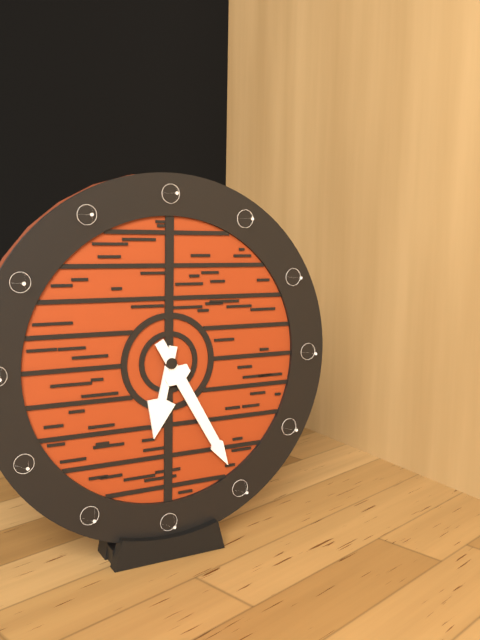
6:25
